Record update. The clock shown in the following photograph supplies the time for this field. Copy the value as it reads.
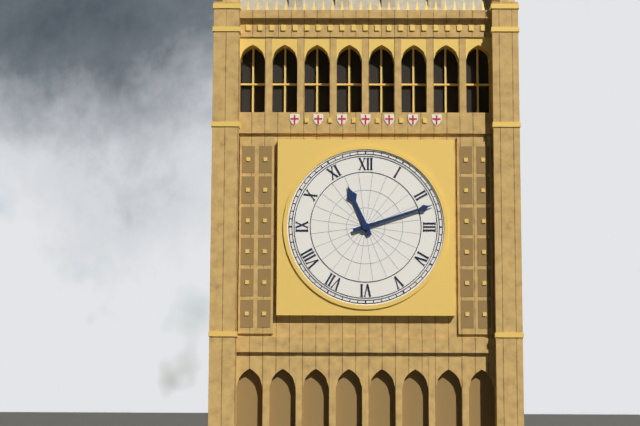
11:12
